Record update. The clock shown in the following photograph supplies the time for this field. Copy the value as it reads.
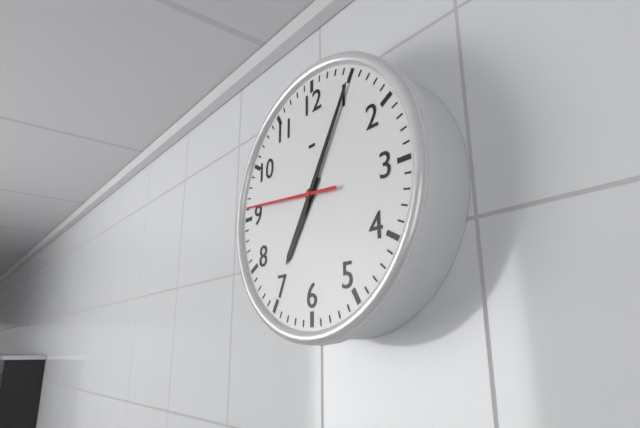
7:05:46
